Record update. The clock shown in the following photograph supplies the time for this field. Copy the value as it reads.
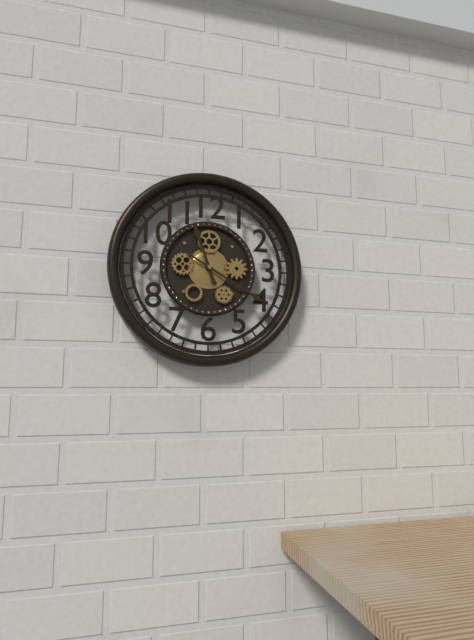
11:20
